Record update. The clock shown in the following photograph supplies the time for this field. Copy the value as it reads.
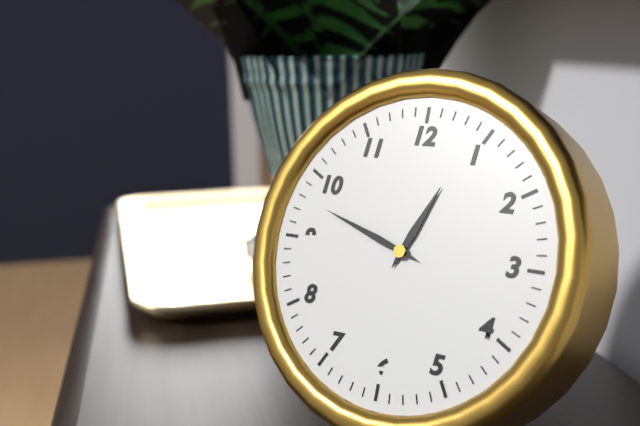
12:48
